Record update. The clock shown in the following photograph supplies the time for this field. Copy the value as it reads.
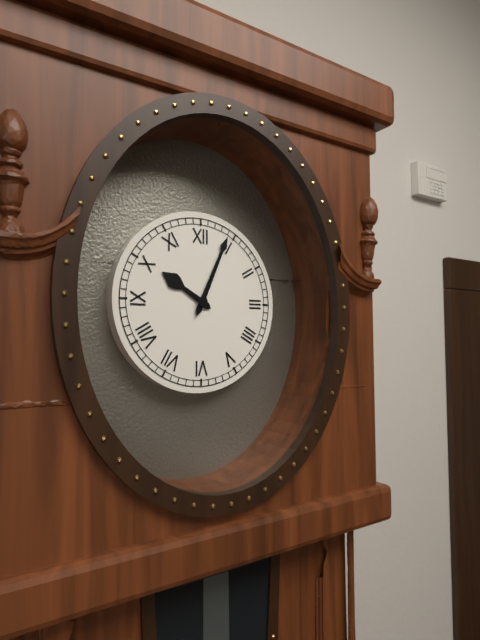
10:04
